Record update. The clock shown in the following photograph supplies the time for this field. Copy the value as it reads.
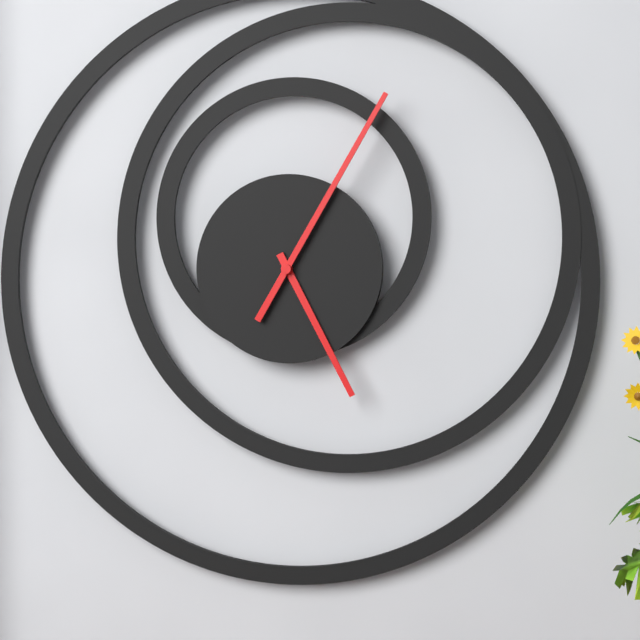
5:05
